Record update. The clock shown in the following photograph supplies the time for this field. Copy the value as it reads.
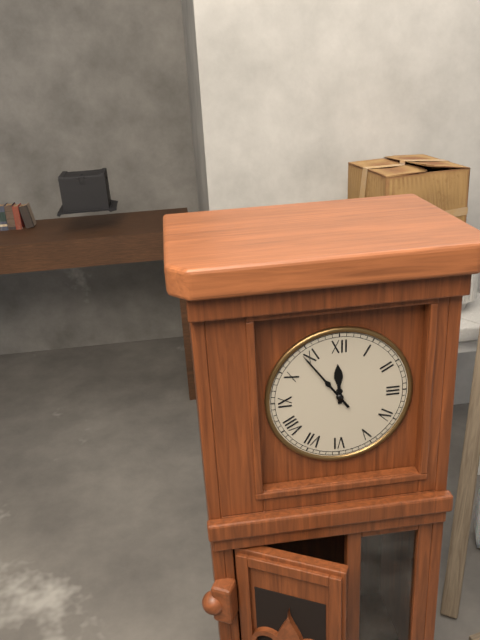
11:54
